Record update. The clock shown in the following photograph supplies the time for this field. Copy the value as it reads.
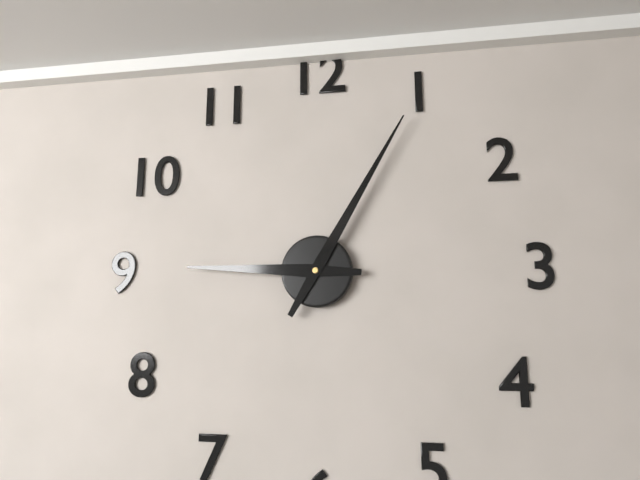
9:05
